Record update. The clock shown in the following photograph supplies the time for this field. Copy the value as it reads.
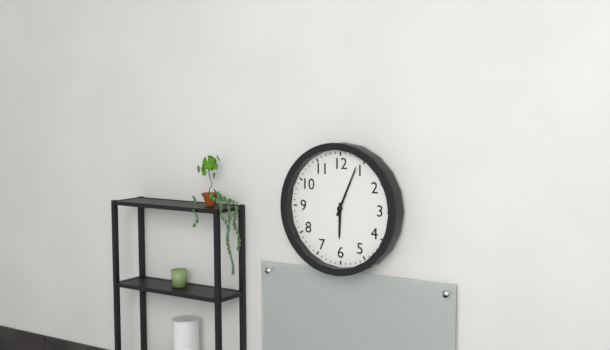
6:04
